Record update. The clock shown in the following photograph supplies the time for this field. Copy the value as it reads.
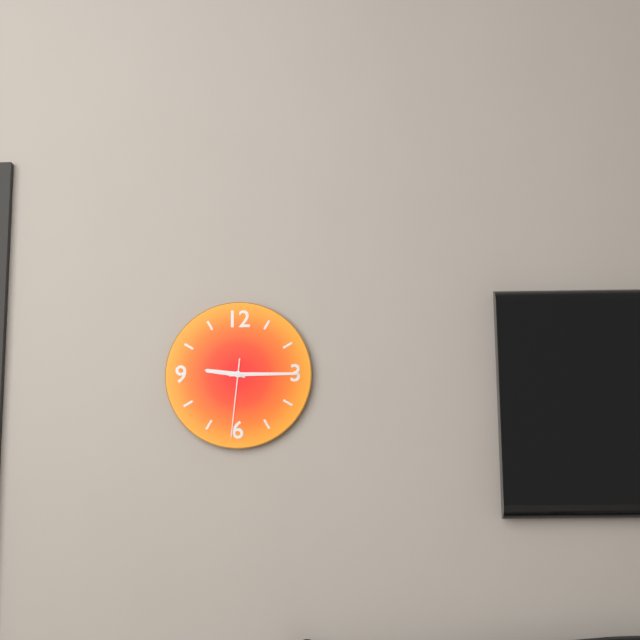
9:15:31
